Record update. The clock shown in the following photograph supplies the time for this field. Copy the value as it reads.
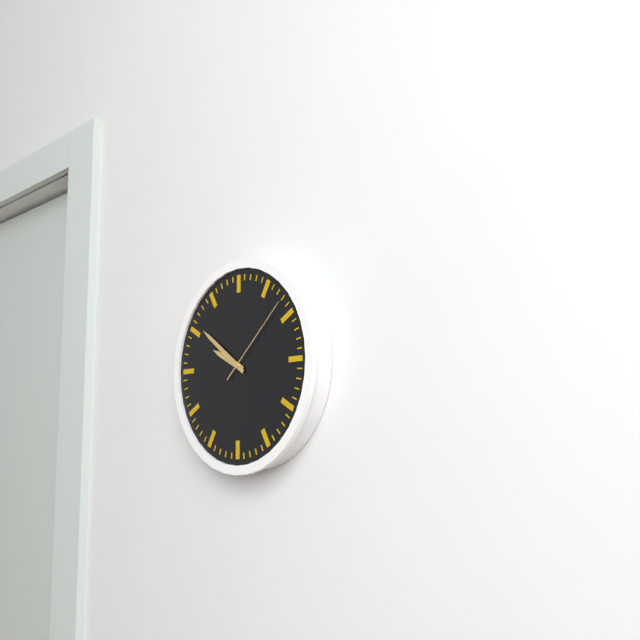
9:51:08
